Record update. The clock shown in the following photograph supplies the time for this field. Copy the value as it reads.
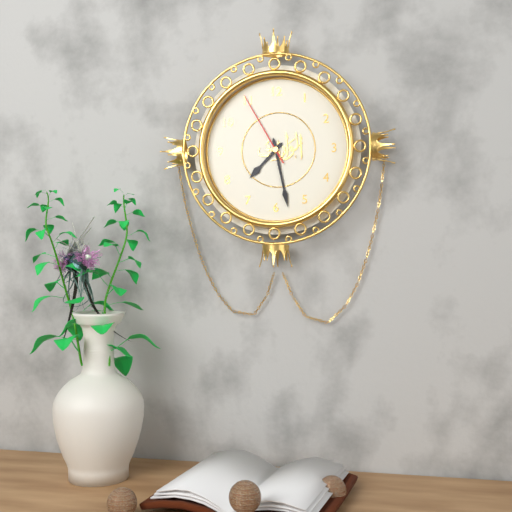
7:28:55
